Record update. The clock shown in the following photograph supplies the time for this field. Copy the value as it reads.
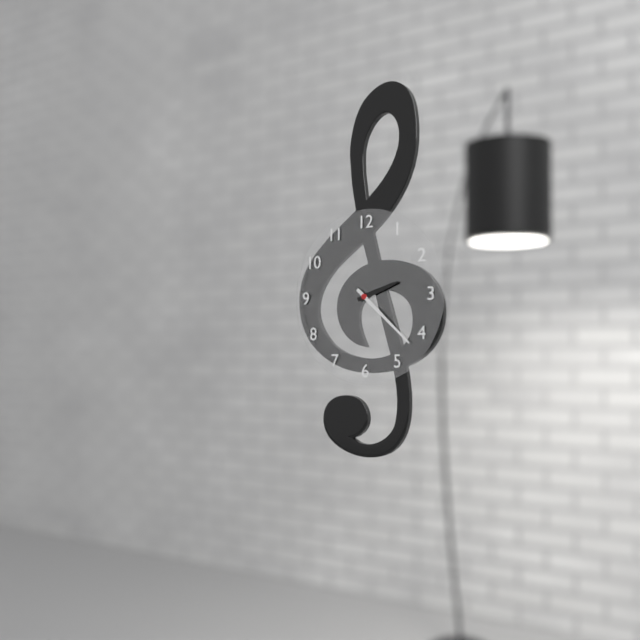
2:22
